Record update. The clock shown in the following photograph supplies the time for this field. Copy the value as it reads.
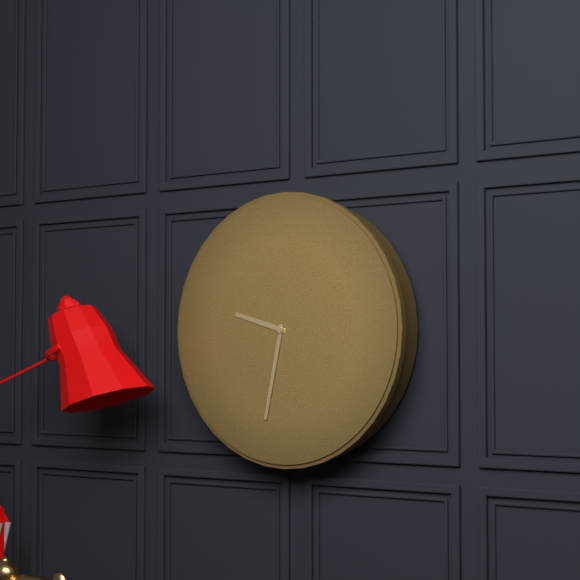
9:32
